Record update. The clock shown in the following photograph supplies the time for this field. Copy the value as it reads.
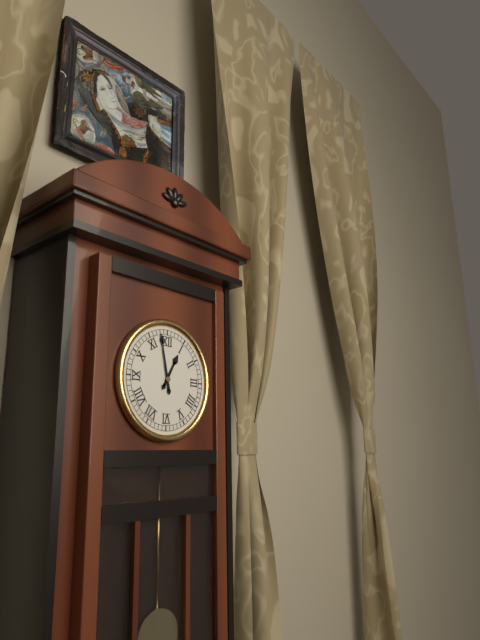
12:58
